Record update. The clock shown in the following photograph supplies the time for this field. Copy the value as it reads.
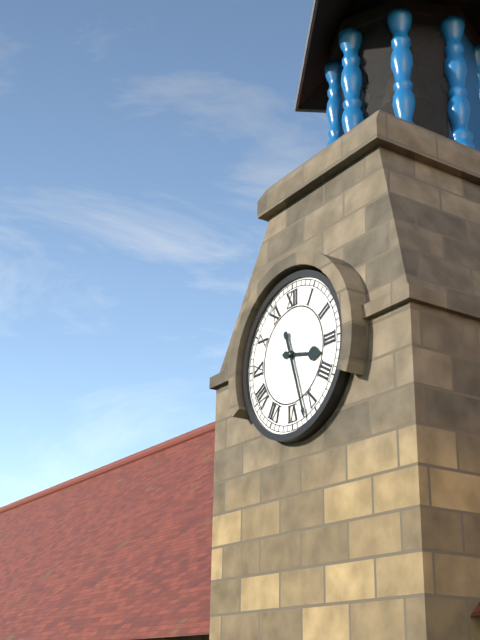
3:27
